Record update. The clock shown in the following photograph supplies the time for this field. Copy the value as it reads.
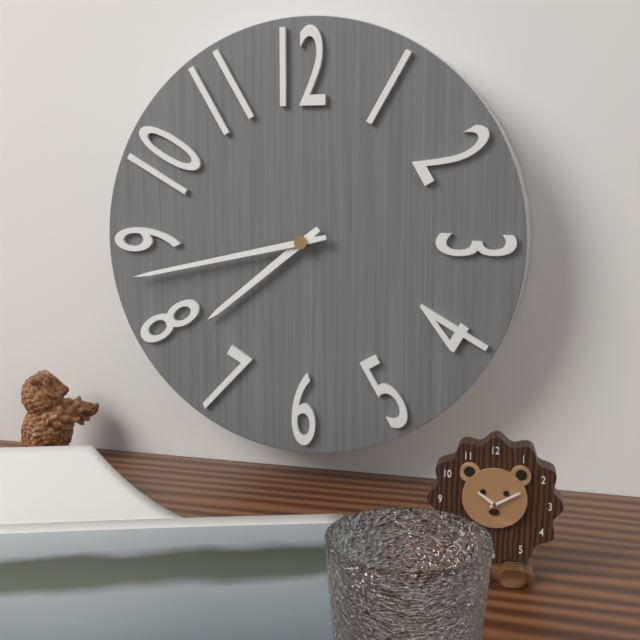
7:43
